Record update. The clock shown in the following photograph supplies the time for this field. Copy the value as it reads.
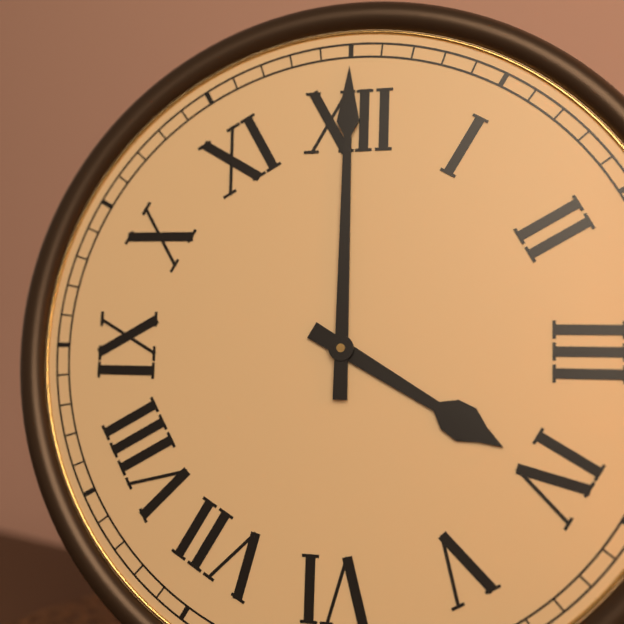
4:00
